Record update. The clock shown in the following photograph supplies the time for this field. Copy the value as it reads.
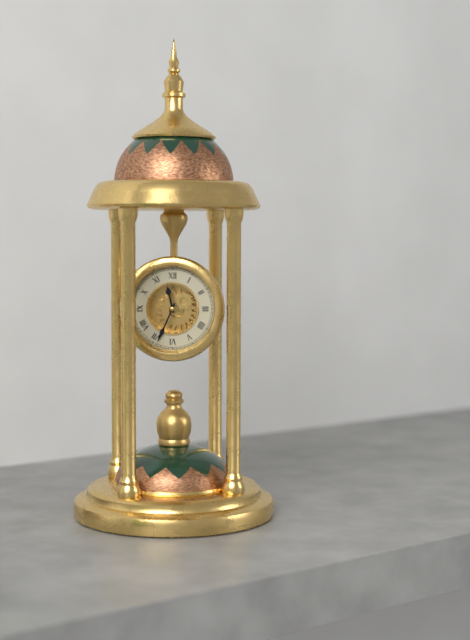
11:34
